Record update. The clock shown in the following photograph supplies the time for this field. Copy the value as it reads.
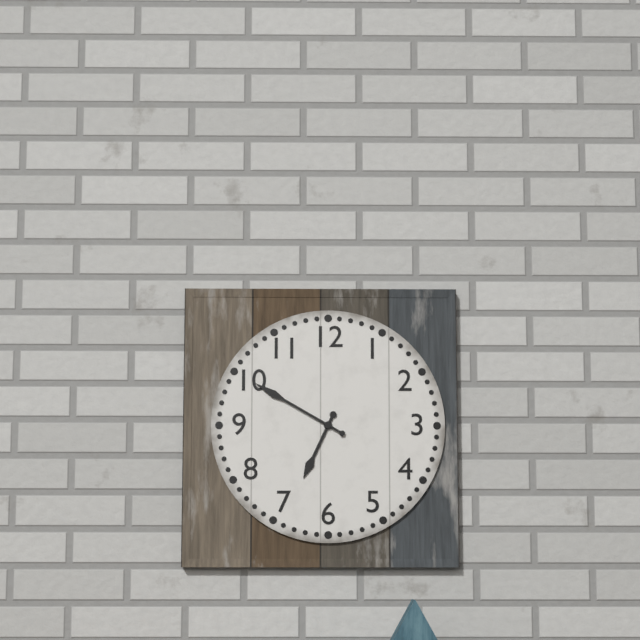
6:50
